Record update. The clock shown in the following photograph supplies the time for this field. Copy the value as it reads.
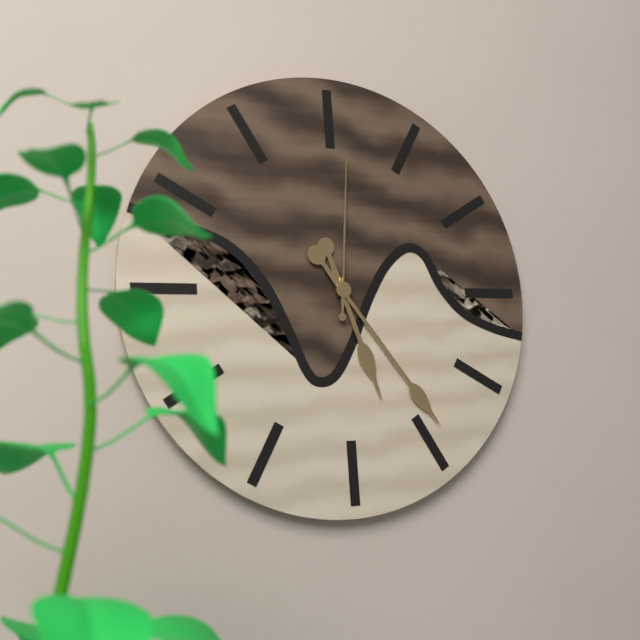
5:24:01
